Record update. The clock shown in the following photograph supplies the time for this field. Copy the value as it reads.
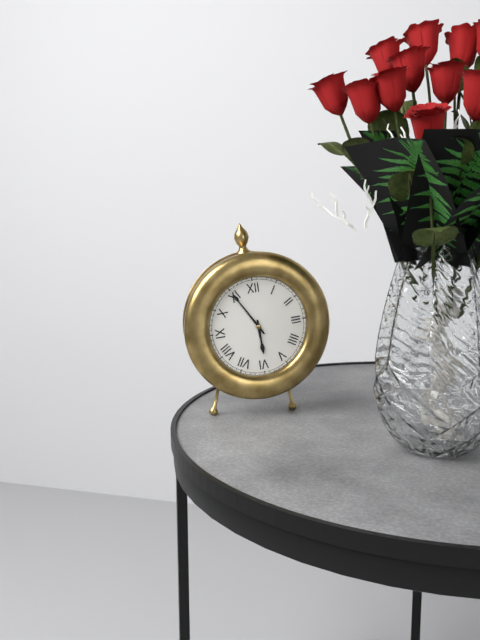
5:55
